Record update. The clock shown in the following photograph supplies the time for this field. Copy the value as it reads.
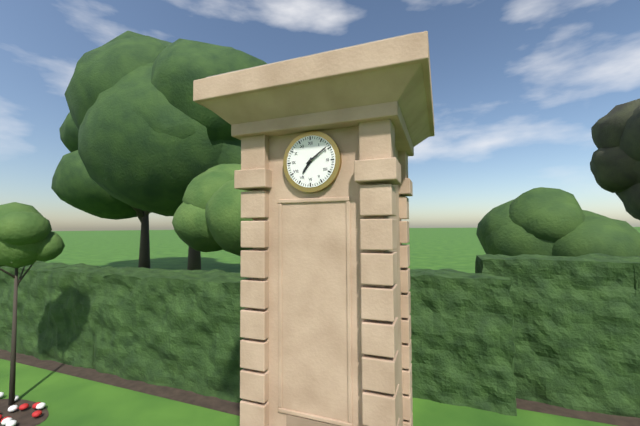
7:09
